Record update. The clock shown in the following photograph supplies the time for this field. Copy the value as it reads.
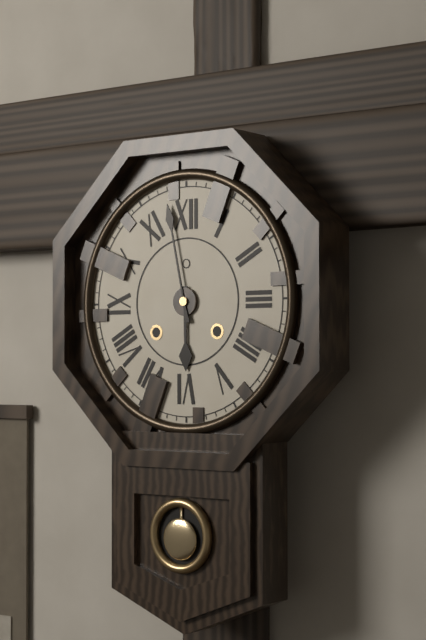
5:58
